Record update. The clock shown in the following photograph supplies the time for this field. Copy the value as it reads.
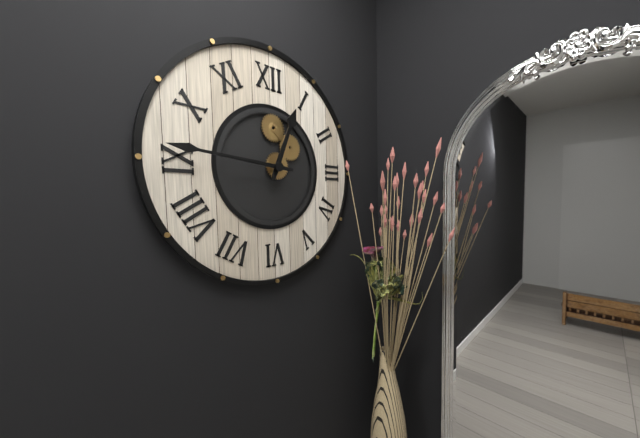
12:46
